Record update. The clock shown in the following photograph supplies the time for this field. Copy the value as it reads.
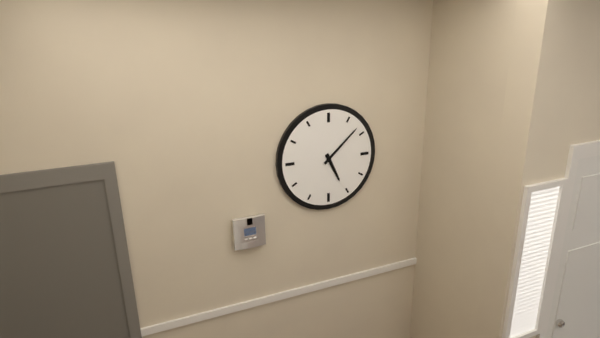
5:08
